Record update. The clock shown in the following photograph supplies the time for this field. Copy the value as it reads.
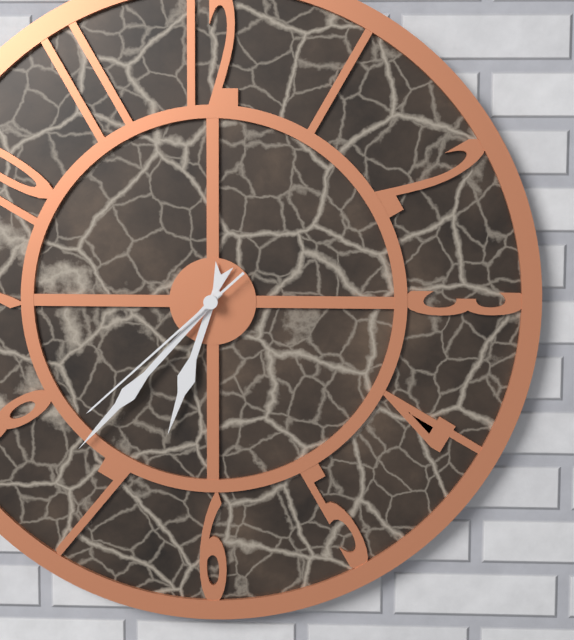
6:37:38
